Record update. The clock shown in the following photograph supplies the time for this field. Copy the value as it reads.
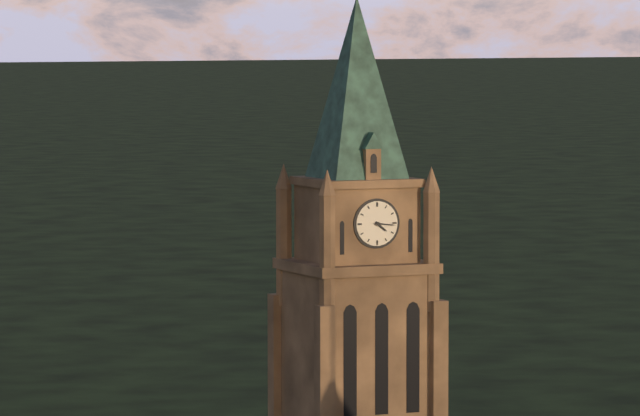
4:16
